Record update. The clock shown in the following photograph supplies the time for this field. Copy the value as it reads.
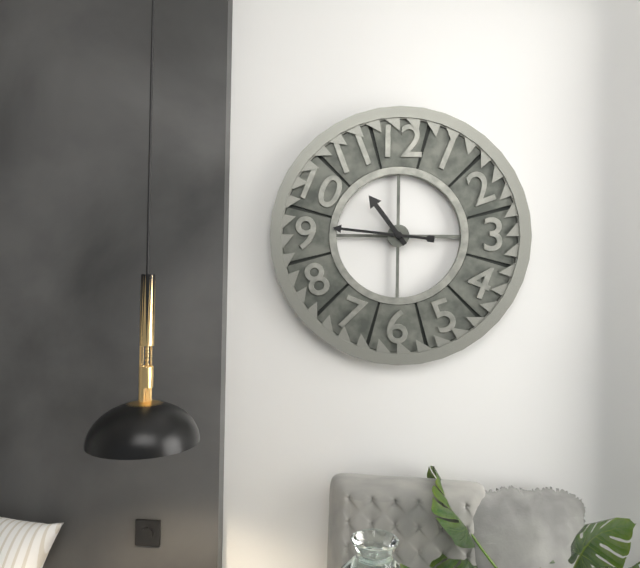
10:46
